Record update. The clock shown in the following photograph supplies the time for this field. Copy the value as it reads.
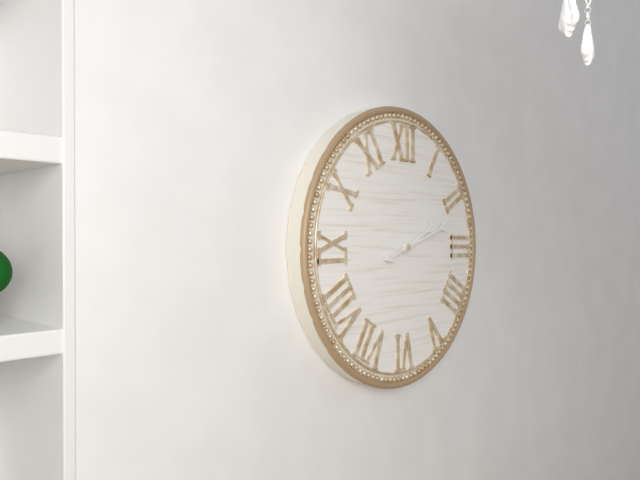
2:12
